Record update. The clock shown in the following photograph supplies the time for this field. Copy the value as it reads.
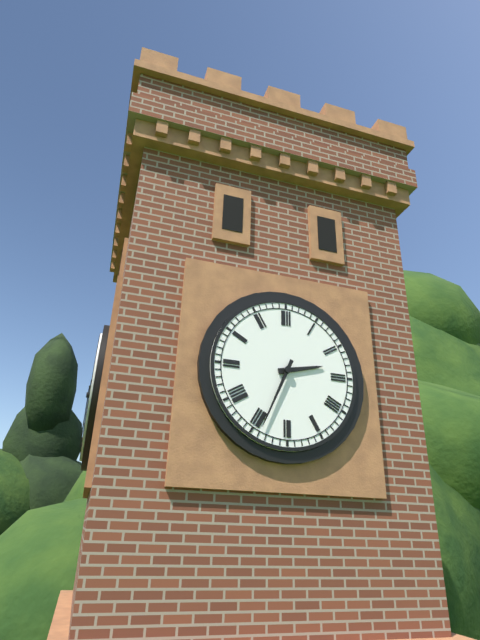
2:34
